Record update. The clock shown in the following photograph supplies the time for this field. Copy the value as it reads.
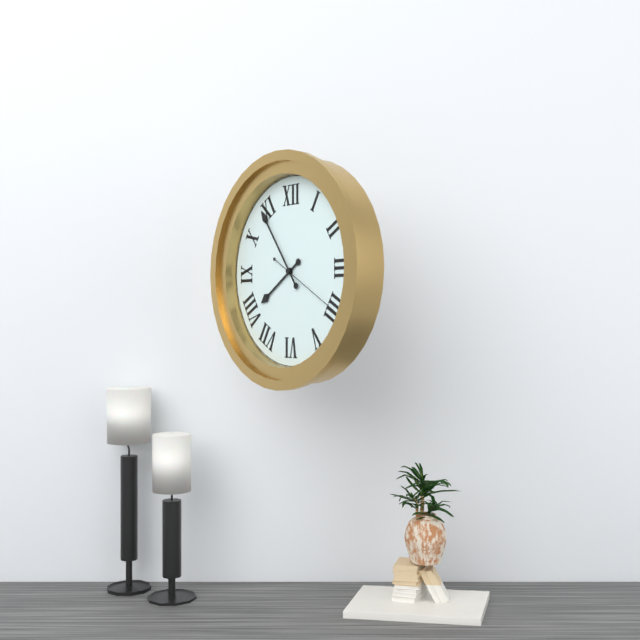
7:54:20
